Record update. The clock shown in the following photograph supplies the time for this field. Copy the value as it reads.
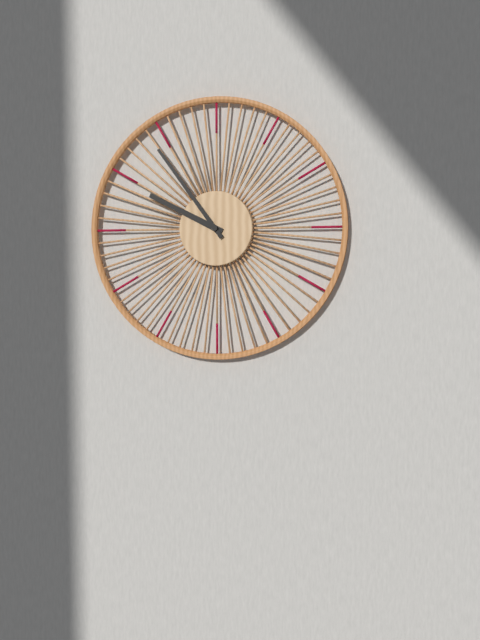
9:54
